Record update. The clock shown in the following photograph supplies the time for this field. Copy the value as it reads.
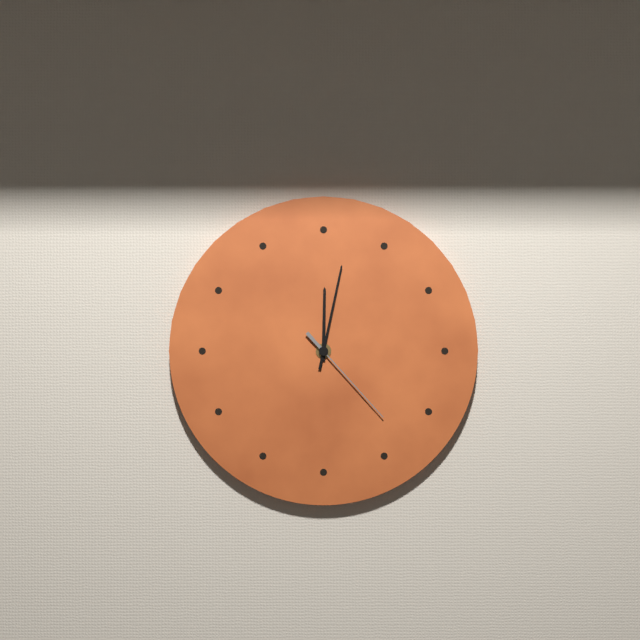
12:02:23
